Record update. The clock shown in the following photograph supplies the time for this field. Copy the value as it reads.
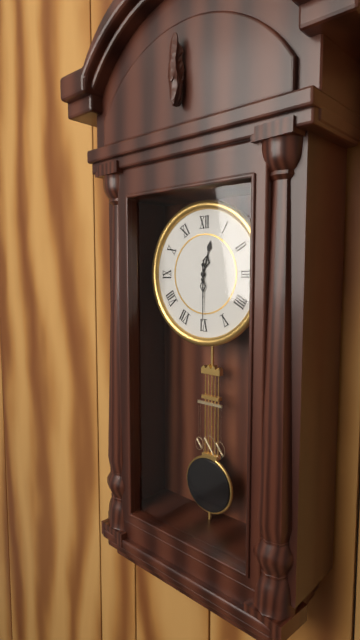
12:30
